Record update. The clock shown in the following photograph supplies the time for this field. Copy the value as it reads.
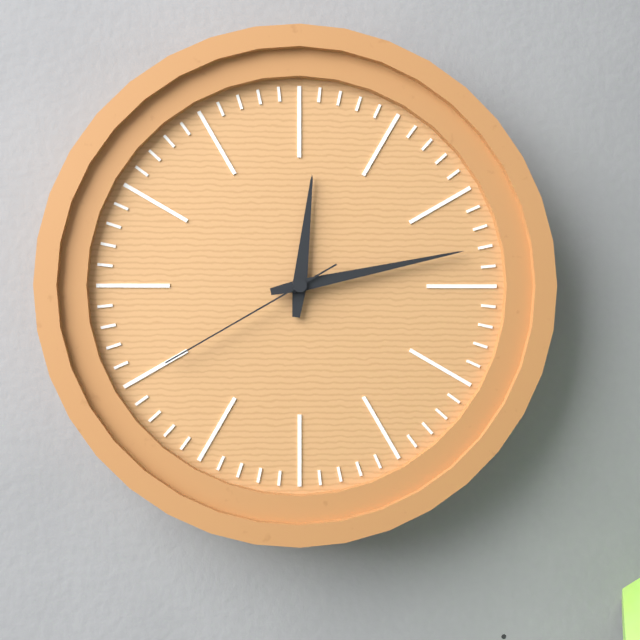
12:13:40
